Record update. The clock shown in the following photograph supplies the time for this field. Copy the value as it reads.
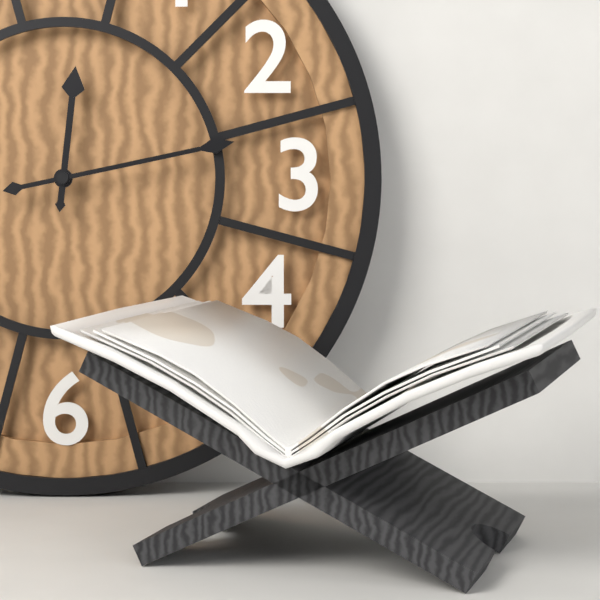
12:13
